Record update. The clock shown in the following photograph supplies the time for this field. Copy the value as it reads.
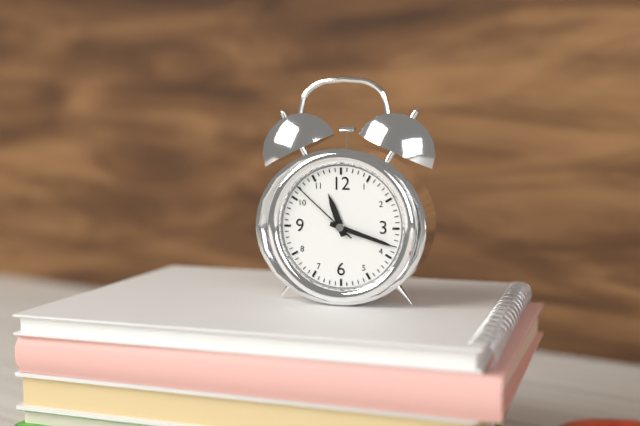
11:18:52
